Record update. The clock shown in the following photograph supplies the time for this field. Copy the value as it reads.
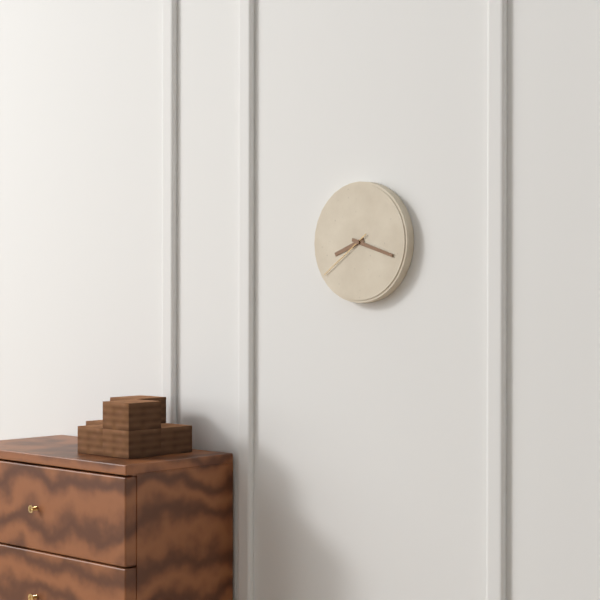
8:18:39
